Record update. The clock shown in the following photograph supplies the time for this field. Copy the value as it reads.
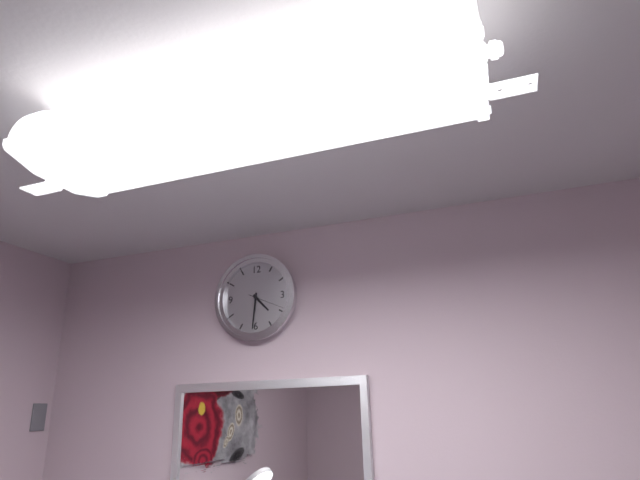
4:31
